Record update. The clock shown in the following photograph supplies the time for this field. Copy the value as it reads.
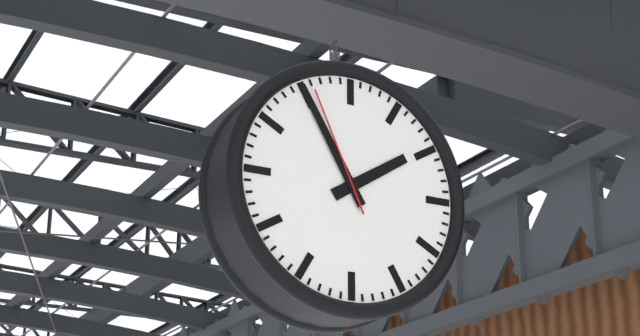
1:55:56
